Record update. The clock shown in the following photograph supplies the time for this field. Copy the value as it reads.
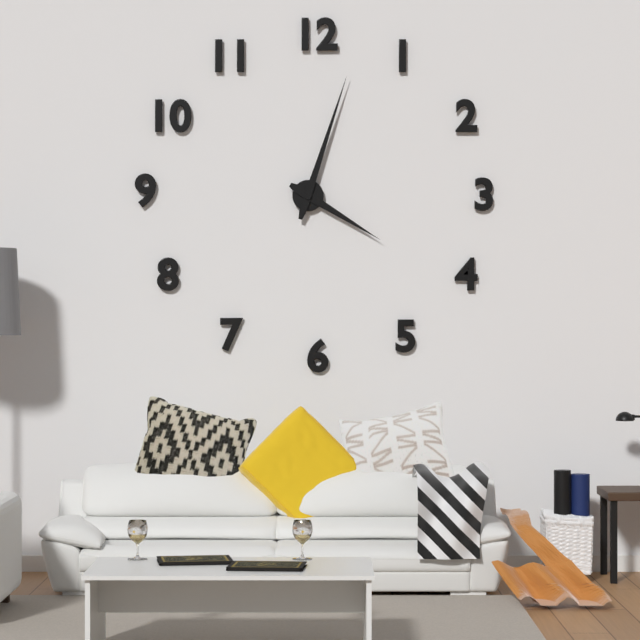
4:03
